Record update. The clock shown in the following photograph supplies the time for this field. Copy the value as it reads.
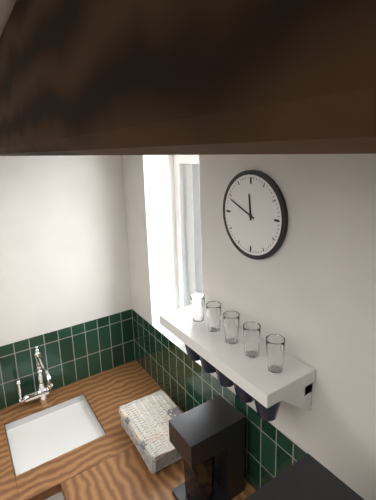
11:49
